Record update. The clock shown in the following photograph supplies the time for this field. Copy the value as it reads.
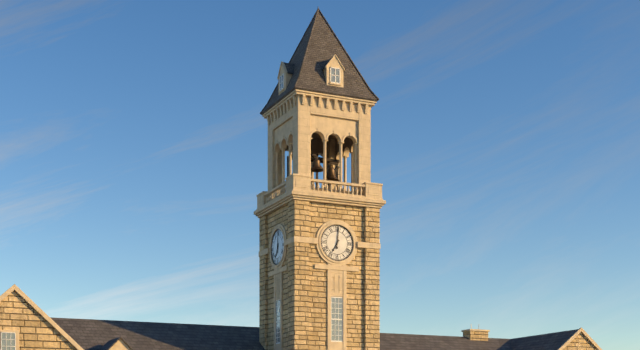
7:01
